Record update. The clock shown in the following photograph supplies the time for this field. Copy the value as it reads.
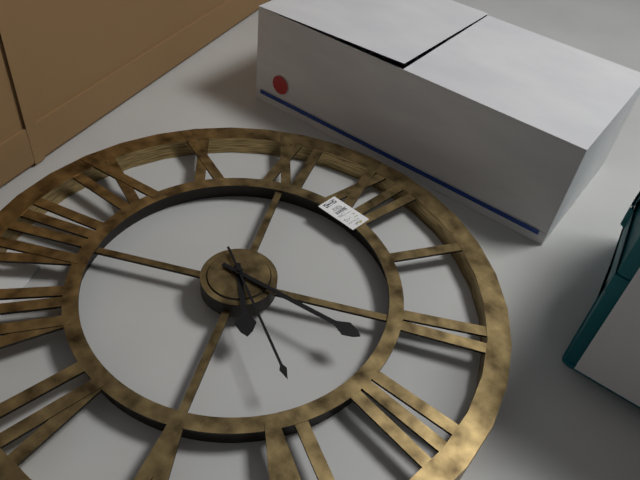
4:13:19
